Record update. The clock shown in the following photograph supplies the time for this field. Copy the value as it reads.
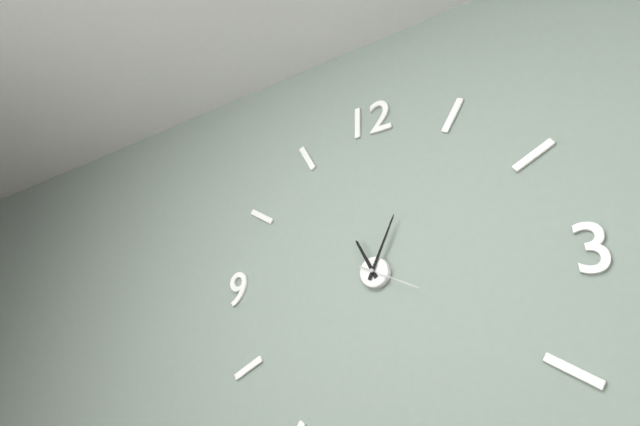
11:04:19
